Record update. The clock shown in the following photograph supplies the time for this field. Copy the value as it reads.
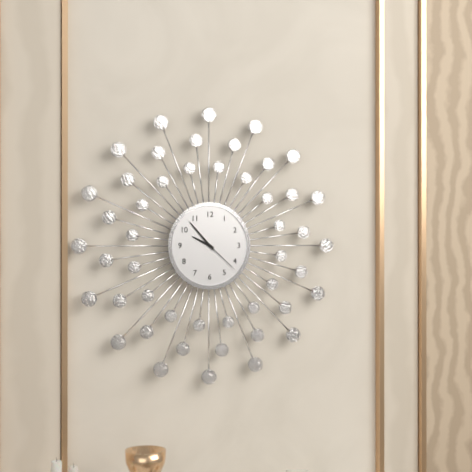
9:53
